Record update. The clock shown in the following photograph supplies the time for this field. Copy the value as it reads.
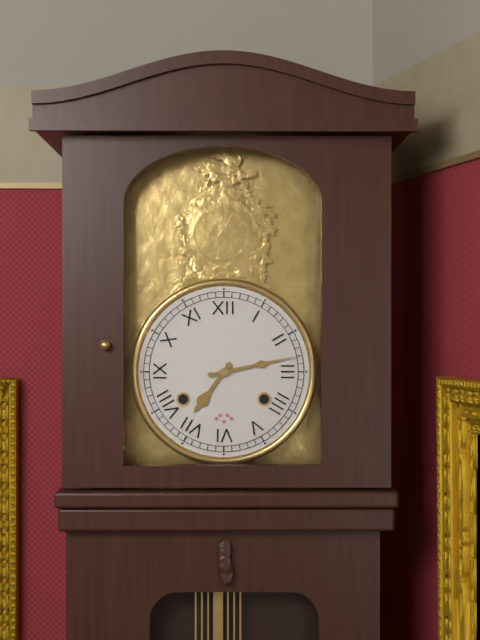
7:13
